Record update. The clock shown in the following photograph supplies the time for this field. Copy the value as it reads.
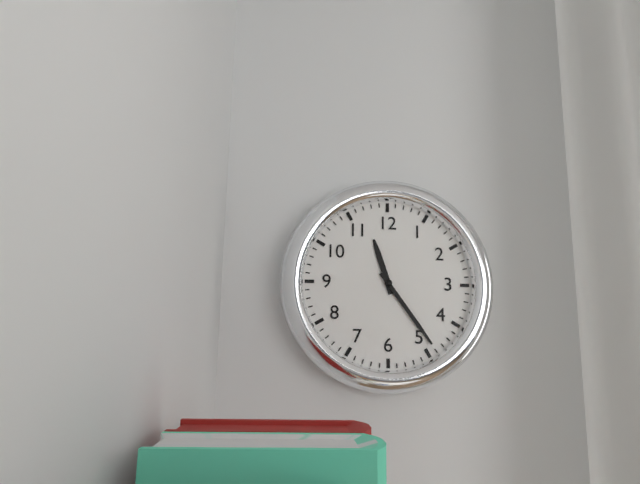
11:24
